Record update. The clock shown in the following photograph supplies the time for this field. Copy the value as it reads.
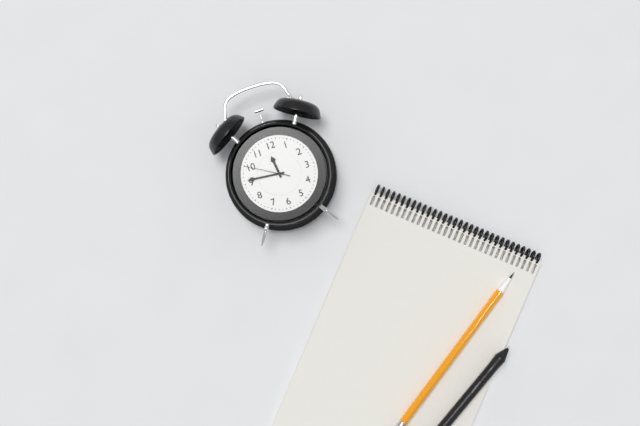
11:46
